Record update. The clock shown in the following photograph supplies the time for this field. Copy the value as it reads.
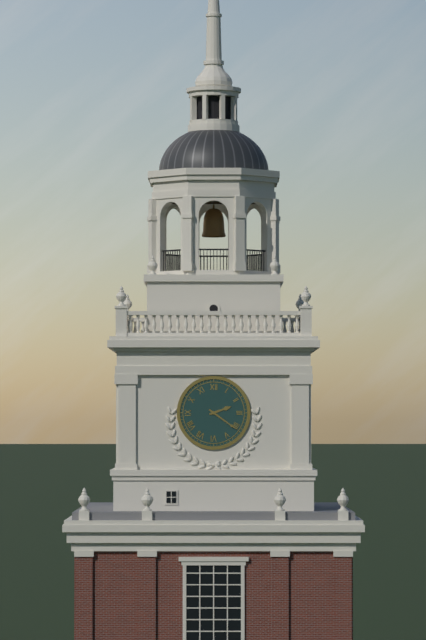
2:21
